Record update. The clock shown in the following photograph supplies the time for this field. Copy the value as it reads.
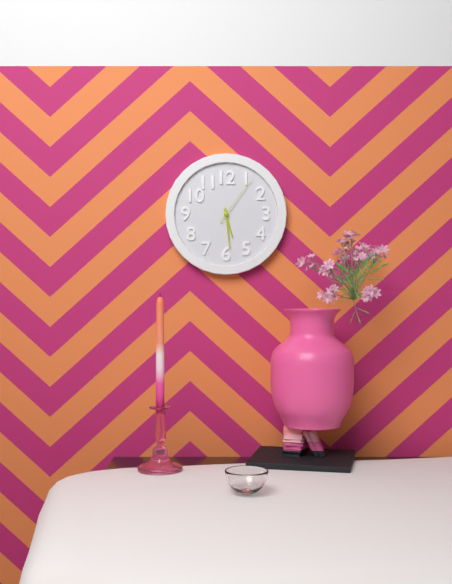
5:29:06
